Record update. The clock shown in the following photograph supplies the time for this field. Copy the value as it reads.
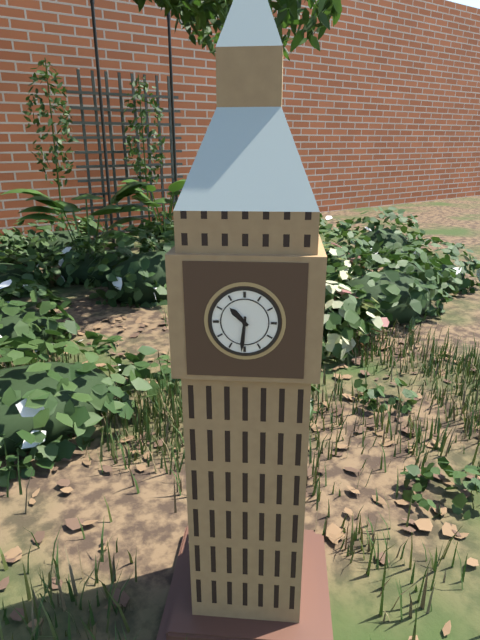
10:31
